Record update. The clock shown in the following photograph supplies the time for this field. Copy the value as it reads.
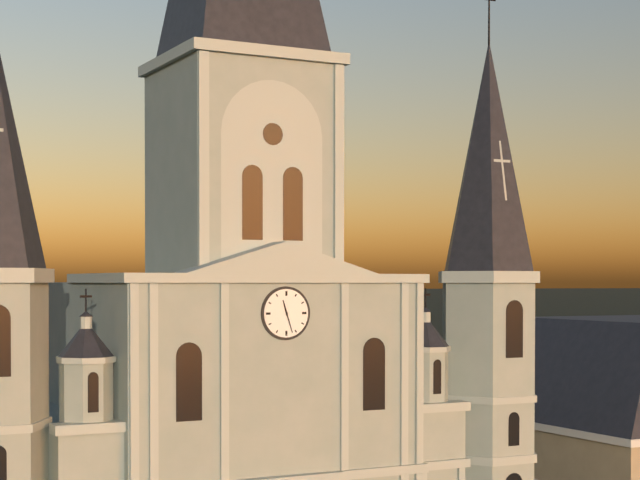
11:27
